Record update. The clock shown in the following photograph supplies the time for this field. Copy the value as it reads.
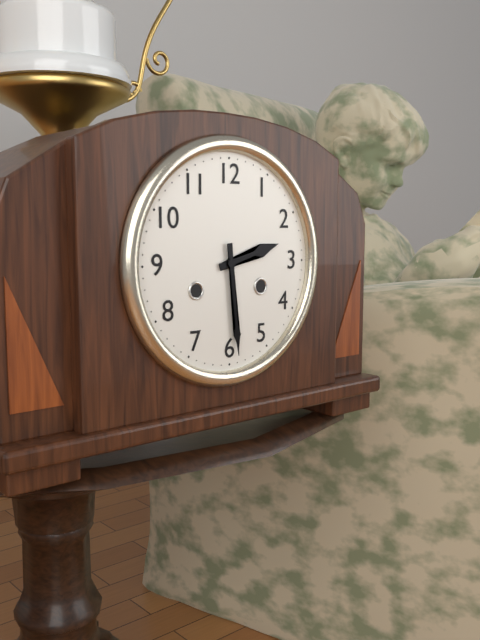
2:29
